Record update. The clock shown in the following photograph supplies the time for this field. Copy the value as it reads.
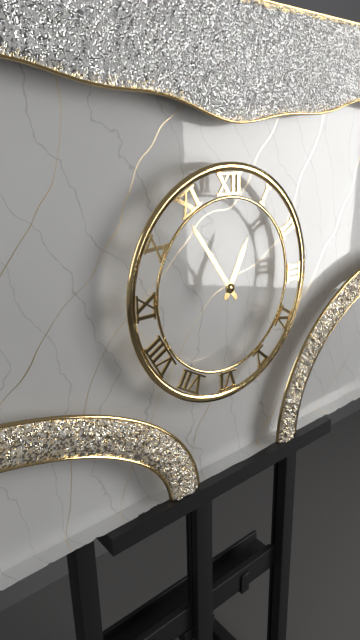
12:54
